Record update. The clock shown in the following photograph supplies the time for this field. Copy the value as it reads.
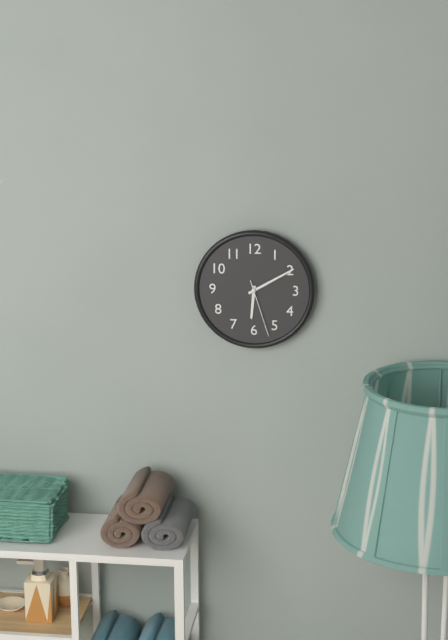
6:10:27
